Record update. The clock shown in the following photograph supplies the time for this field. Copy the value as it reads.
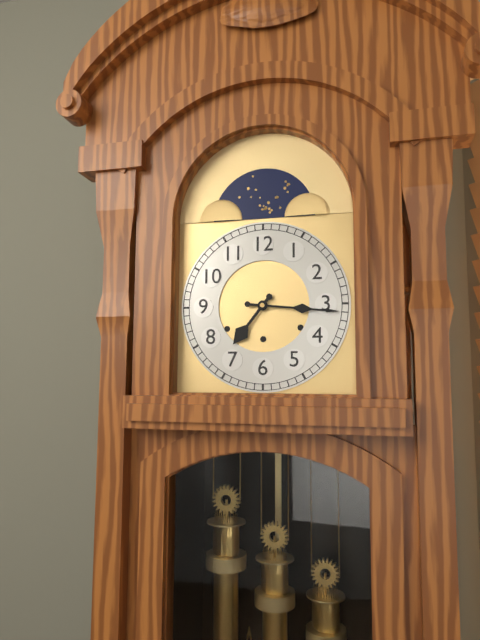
7:16
